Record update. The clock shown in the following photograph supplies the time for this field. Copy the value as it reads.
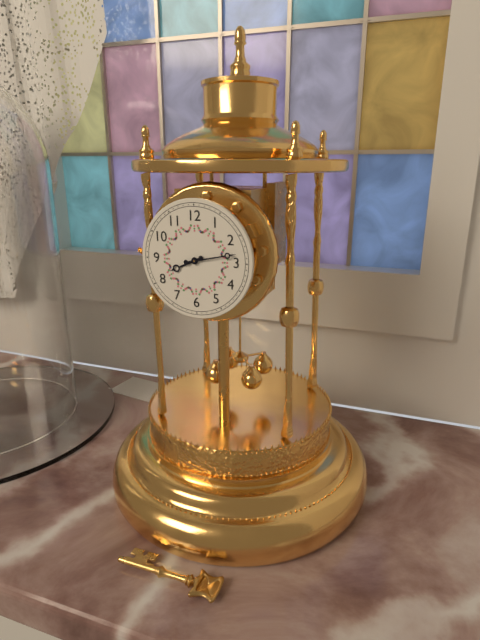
8:13
